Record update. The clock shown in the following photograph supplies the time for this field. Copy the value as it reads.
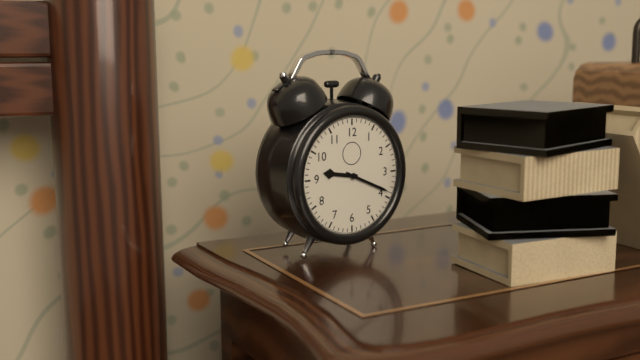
9:19
